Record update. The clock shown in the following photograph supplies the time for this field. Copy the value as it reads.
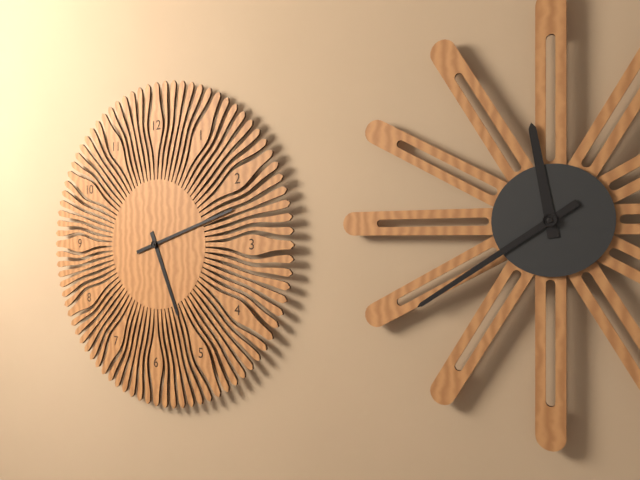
5:12
